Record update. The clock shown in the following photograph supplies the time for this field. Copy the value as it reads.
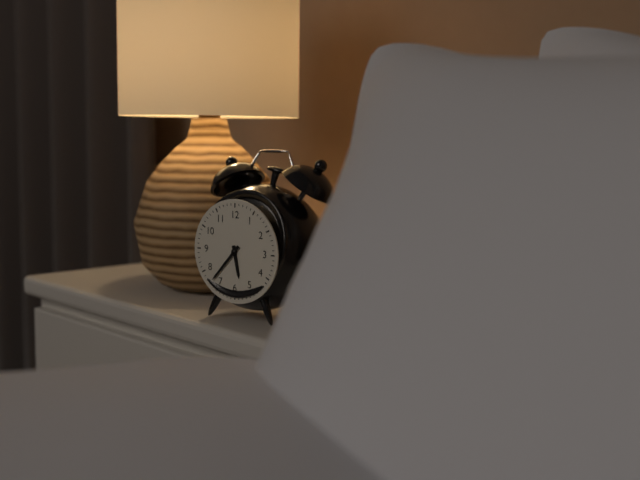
5:37
